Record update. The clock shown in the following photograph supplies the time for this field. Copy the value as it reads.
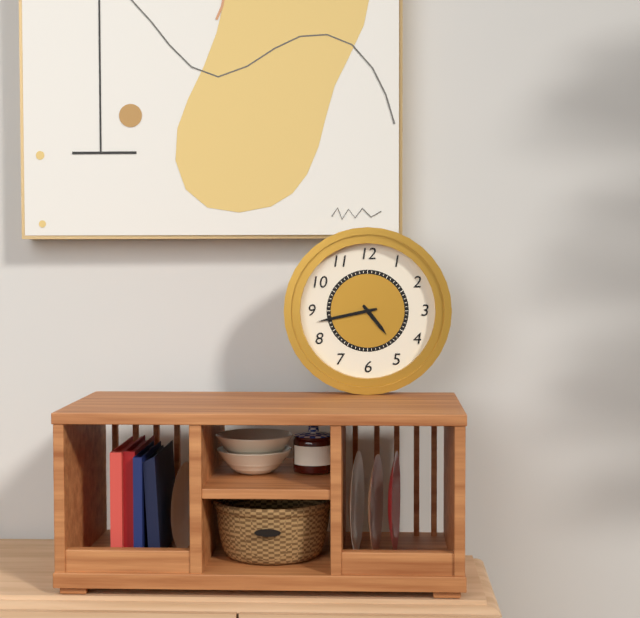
4:43
